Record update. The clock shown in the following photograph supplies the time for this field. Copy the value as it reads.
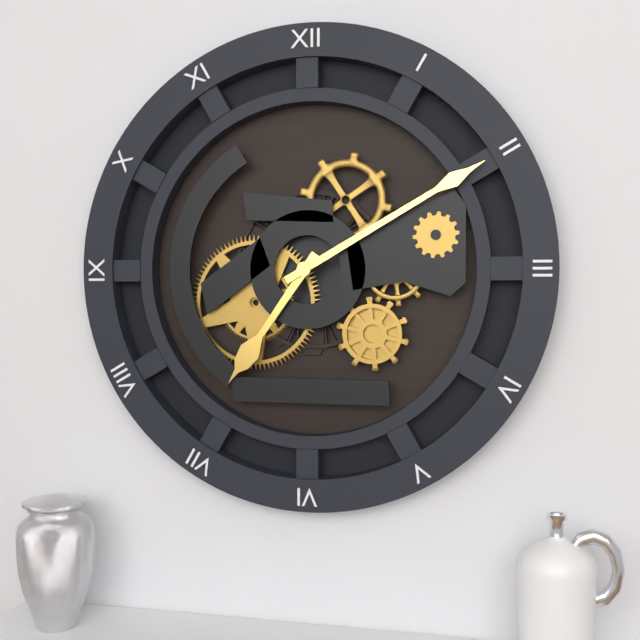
7:10
